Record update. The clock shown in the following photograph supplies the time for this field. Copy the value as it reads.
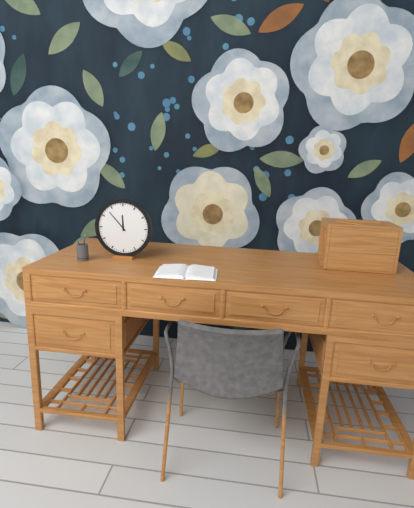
11:53
